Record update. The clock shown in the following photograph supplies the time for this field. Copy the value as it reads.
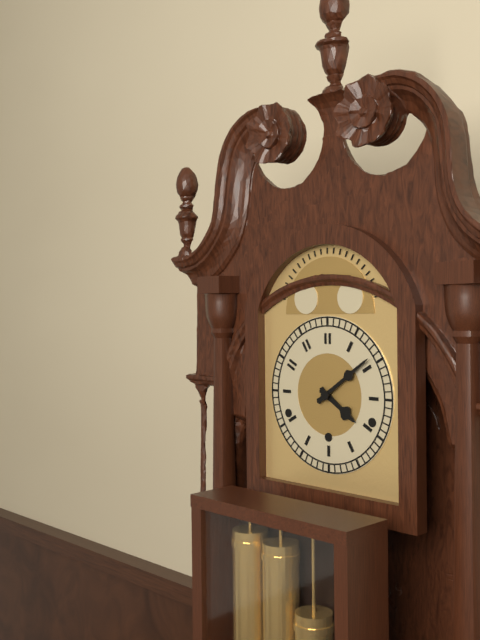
4:09
